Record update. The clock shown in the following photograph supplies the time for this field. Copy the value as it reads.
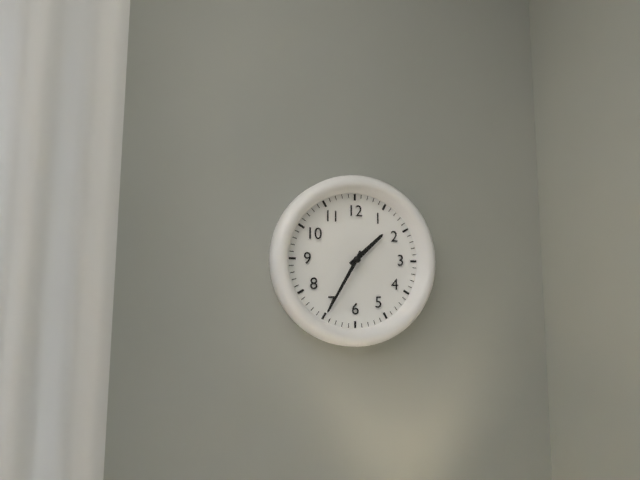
1:35
